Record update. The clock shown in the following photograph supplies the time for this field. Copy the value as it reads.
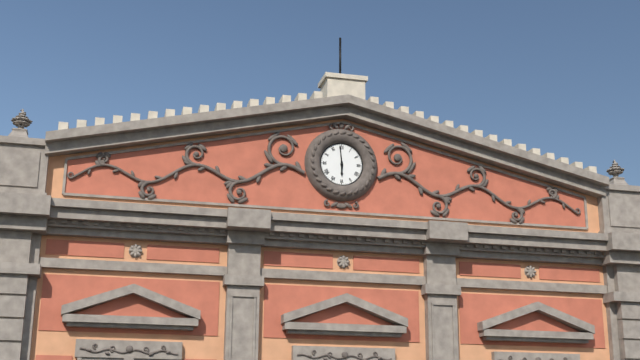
5:59
